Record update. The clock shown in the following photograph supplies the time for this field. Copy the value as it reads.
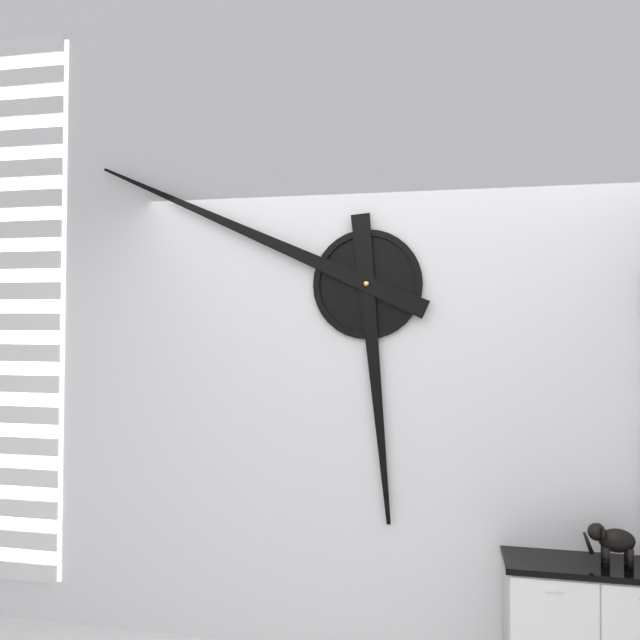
5:49
